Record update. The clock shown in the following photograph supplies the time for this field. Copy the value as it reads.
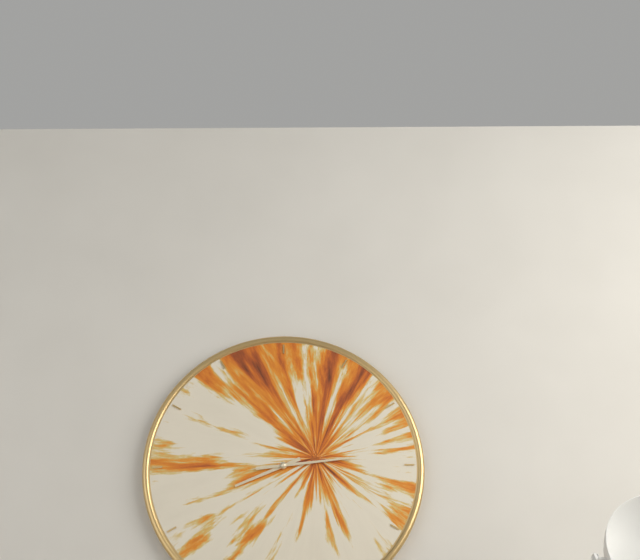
8:14
